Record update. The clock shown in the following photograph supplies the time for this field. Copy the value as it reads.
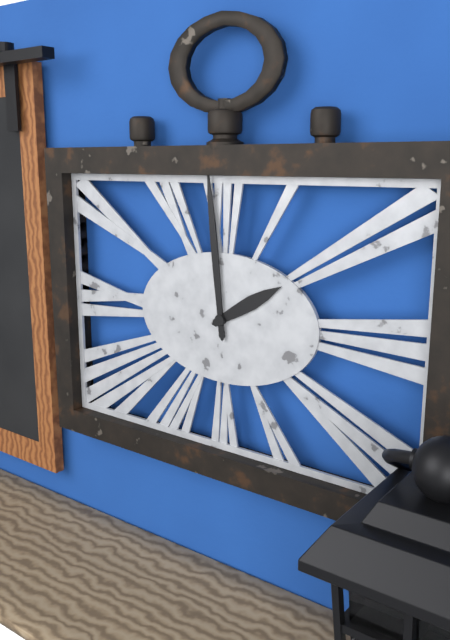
1:59
